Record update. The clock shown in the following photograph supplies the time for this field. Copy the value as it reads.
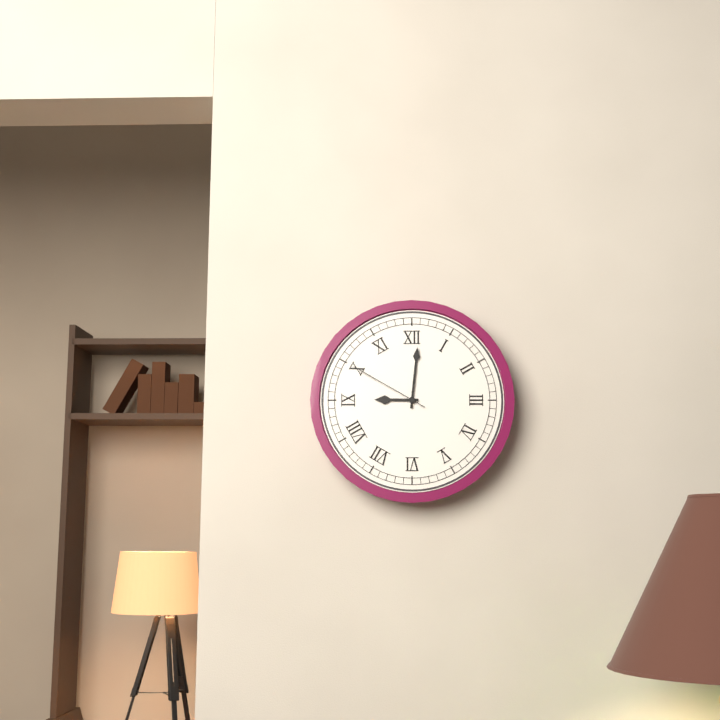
9:01:50
